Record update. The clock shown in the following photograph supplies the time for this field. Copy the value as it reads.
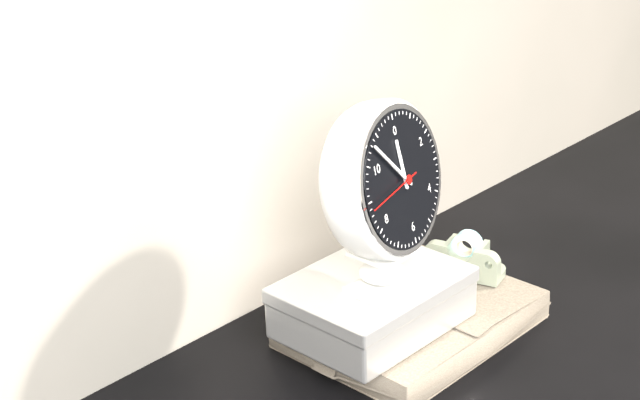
11:53:44
